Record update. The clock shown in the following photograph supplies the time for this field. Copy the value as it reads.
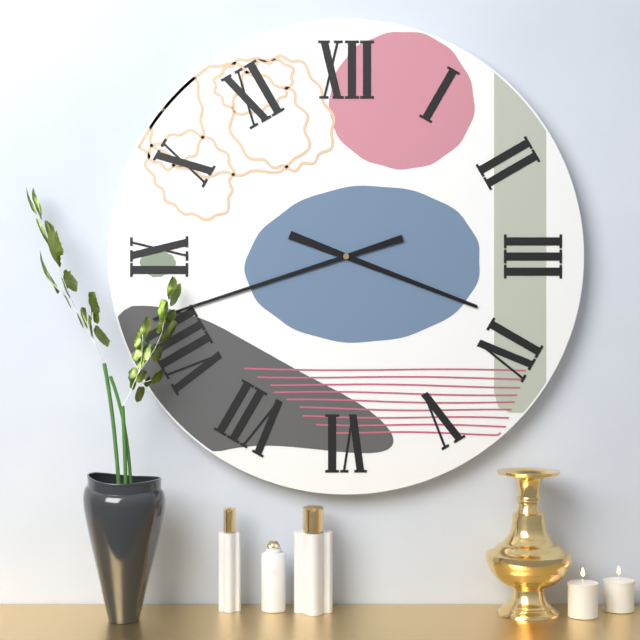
3:42
